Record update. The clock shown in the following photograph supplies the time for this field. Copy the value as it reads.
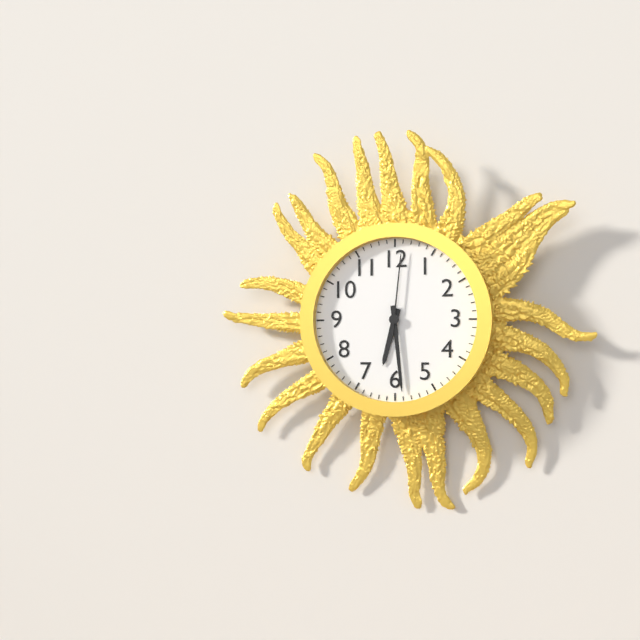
6:29:01
